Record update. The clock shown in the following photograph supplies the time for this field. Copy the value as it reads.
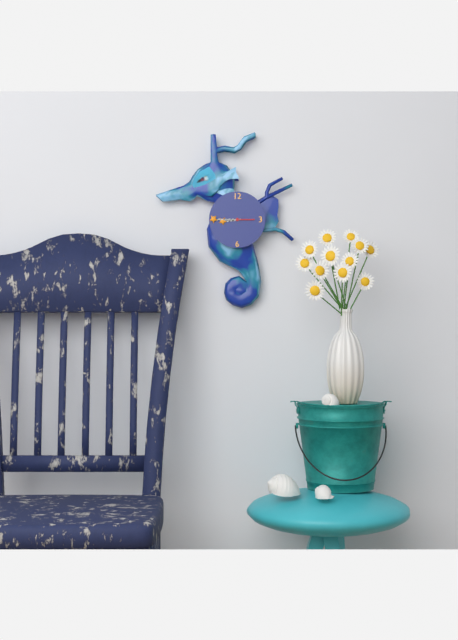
8:45
